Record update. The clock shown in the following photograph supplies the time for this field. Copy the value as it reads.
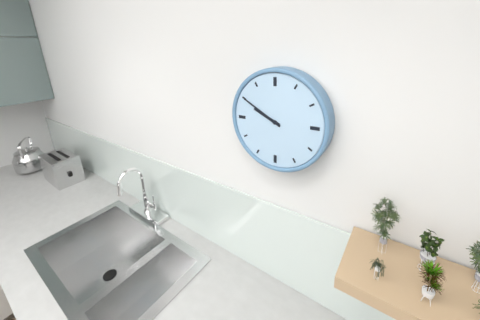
9:50
